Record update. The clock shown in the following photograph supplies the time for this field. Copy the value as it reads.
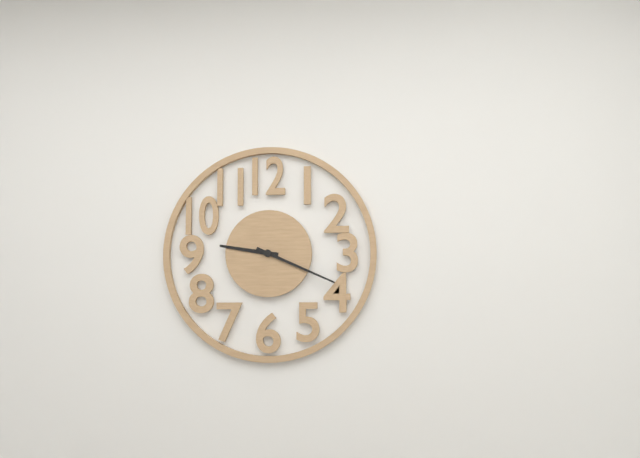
9:19
